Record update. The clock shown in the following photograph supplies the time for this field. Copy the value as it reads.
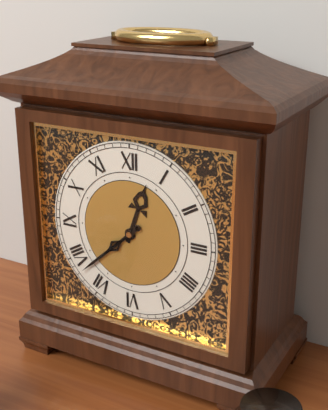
12:38
